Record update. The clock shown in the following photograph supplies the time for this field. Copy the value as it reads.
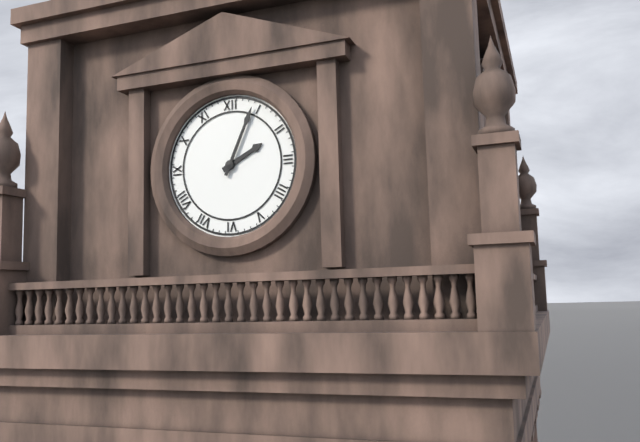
2:04
